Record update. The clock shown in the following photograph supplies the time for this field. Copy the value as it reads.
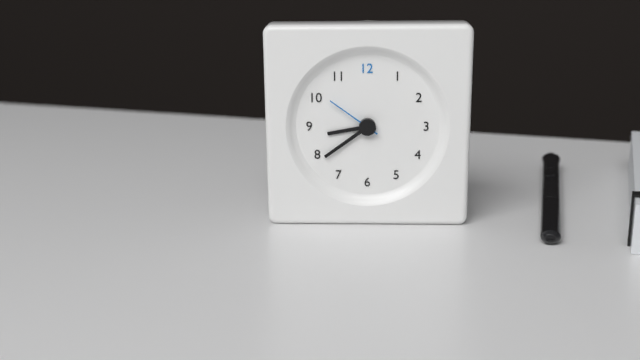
8:39:51
